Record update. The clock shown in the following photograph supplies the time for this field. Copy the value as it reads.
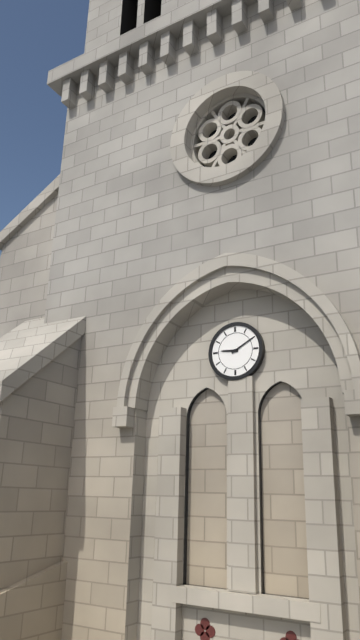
9:10
